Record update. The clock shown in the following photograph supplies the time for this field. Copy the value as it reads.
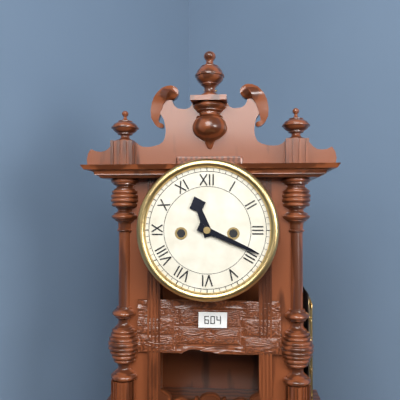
11:19
